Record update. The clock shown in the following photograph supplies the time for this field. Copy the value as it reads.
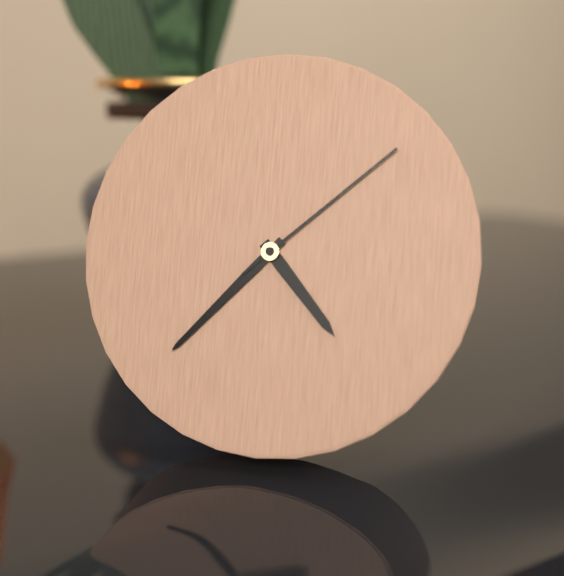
4:37:08
